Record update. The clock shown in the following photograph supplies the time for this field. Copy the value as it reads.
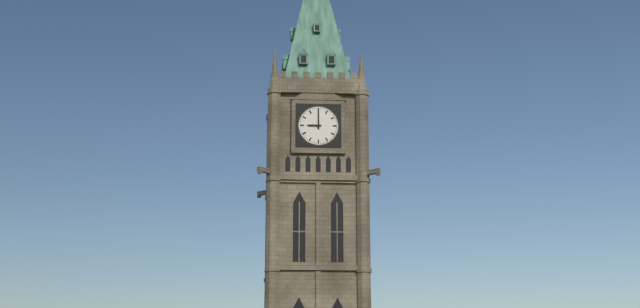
9:00
